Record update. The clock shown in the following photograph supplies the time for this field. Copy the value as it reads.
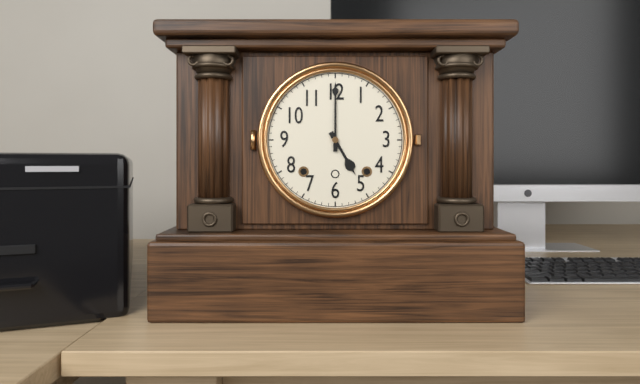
5:00
